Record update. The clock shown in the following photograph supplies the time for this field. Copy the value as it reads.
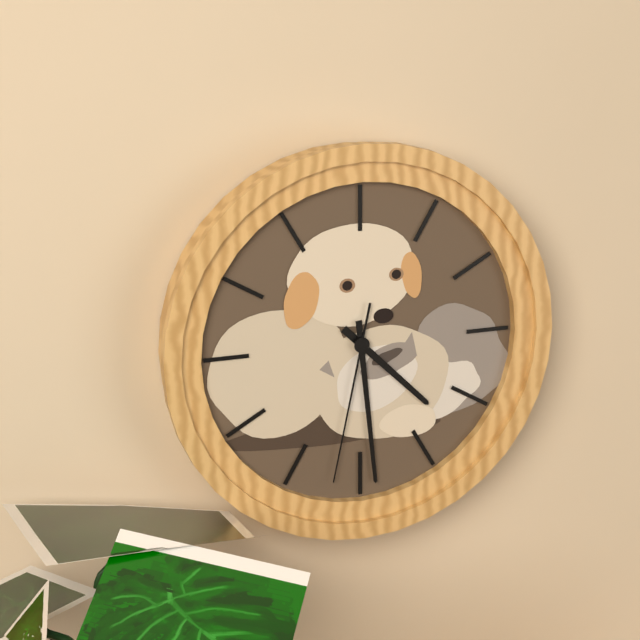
4:29:32
